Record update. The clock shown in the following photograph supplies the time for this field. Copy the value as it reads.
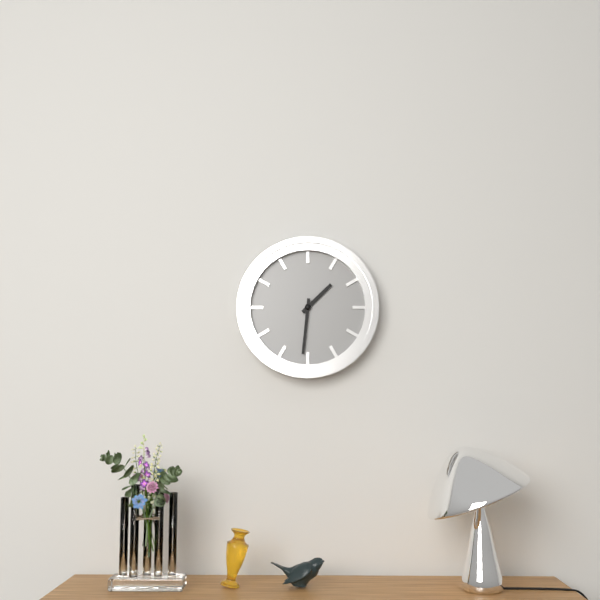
1:31
